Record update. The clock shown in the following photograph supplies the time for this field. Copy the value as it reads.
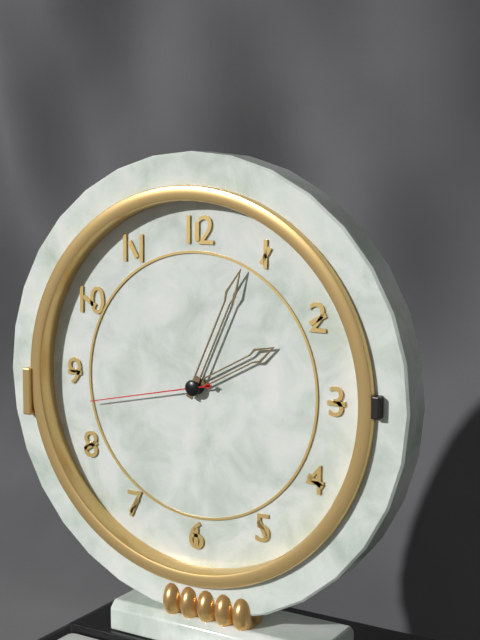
2:04:43
